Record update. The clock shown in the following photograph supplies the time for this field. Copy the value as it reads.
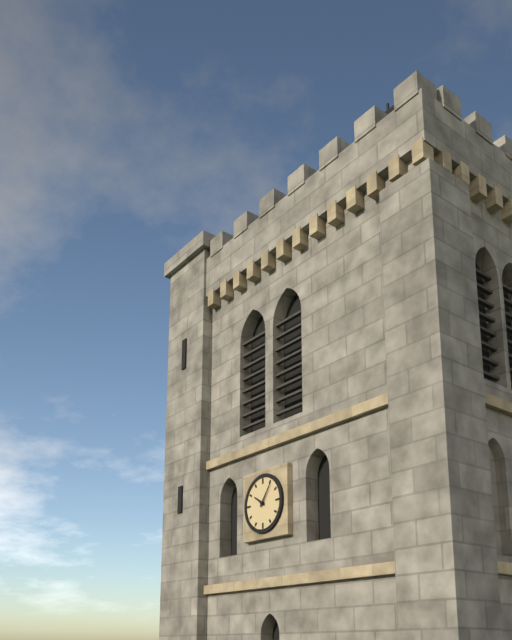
10:06
